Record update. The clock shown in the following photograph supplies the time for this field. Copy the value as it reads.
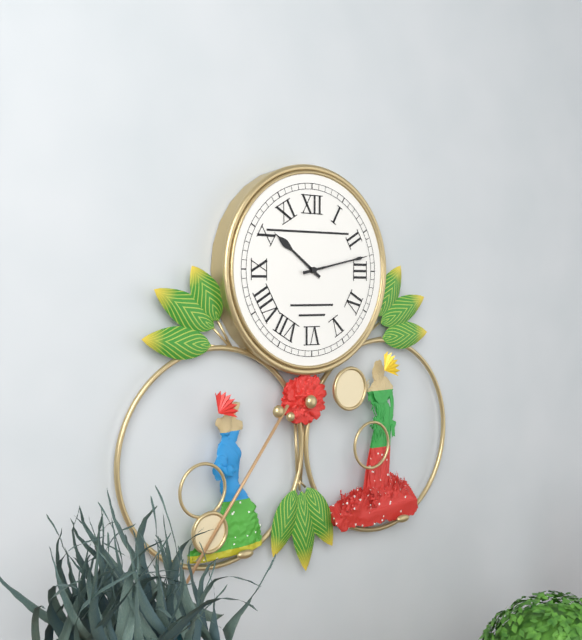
10:13
